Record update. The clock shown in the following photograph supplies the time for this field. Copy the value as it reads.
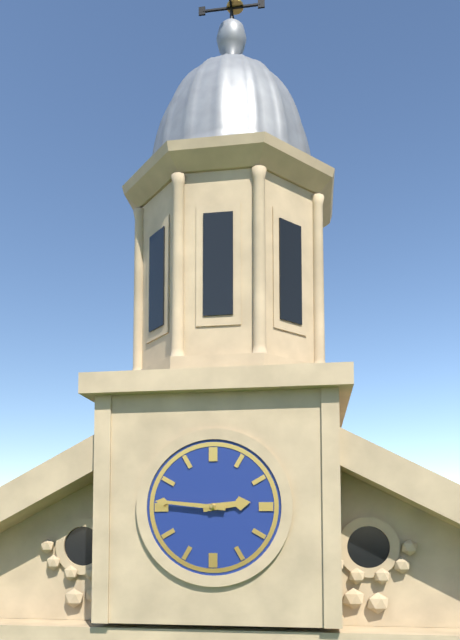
2:46
